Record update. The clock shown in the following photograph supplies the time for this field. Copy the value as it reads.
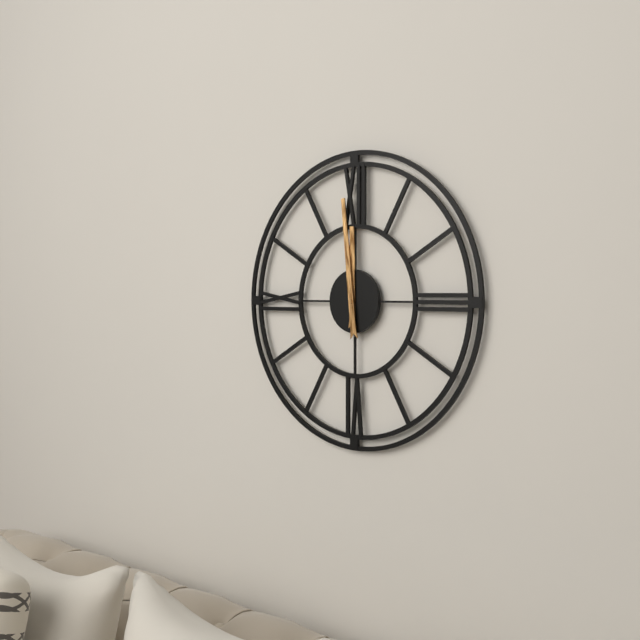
11:59
